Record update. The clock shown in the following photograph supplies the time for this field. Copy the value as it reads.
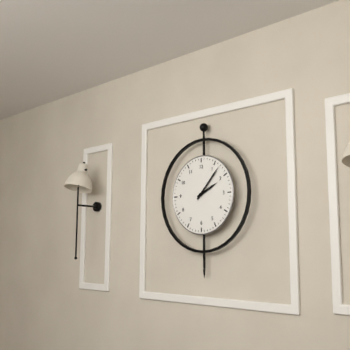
2:07
